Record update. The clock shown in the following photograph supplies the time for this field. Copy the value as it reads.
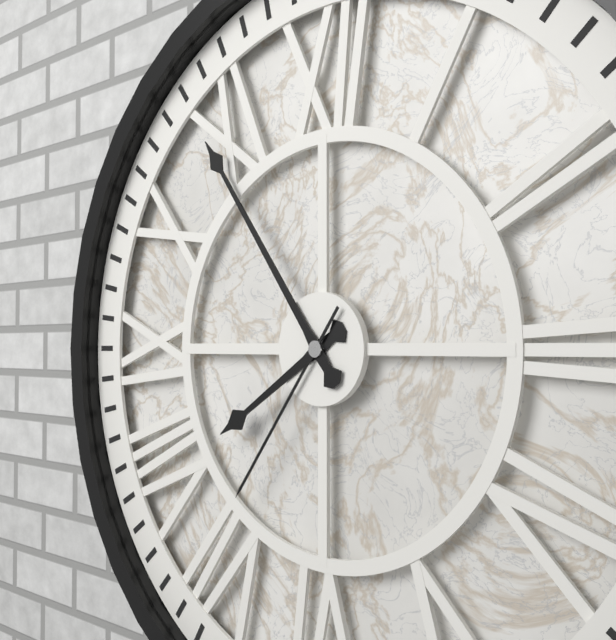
7:54:36
